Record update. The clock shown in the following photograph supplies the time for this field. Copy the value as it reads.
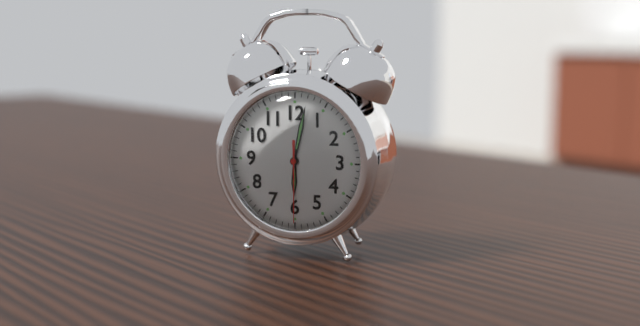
6:02:30
